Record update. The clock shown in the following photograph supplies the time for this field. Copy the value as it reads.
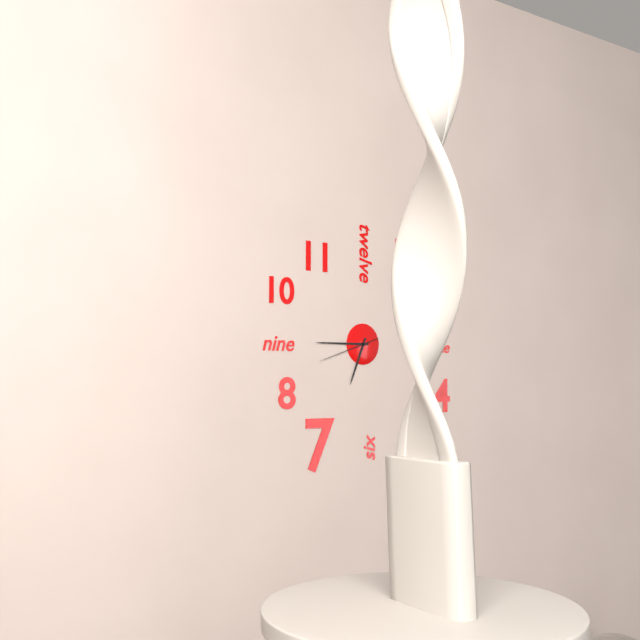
6:45:42
